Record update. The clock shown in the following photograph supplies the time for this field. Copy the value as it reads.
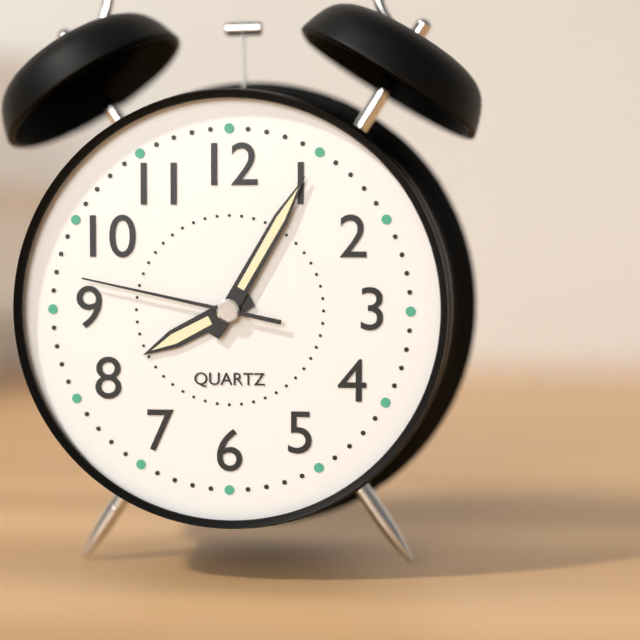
8:05:47
